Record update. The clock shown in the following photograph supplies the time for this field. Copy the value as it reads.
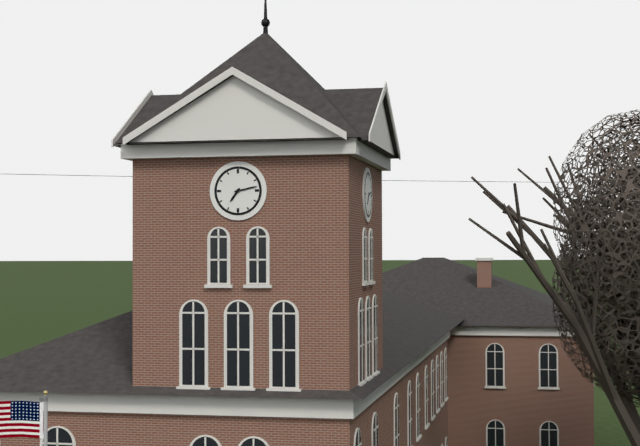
7:13
